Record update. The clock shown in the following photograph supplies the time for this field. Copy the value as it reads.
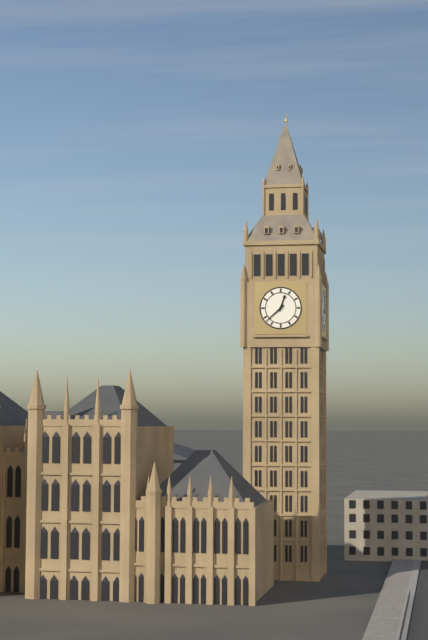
12:38
